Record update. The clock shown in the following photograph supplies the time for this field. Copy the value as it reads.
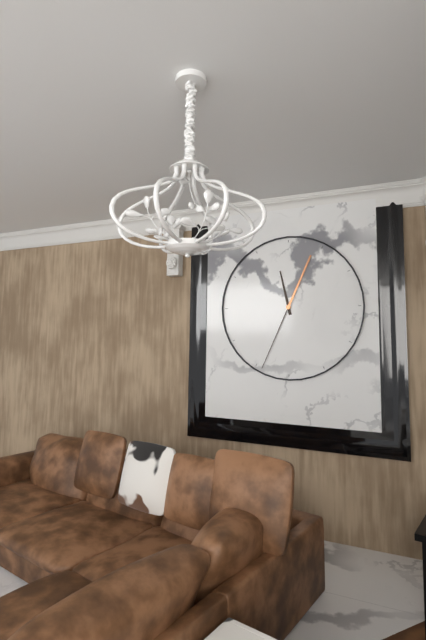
11:34
